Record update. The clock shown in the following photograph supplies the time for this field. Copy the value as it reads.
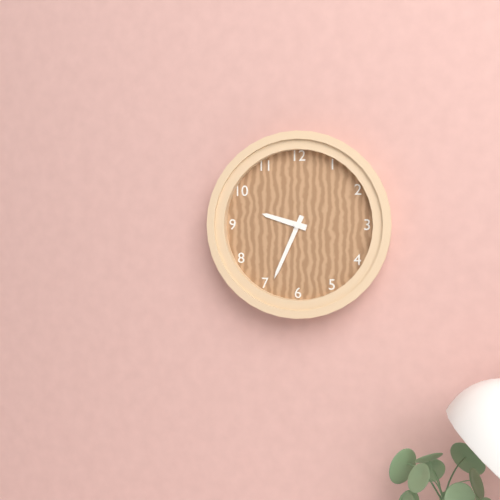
9:34
